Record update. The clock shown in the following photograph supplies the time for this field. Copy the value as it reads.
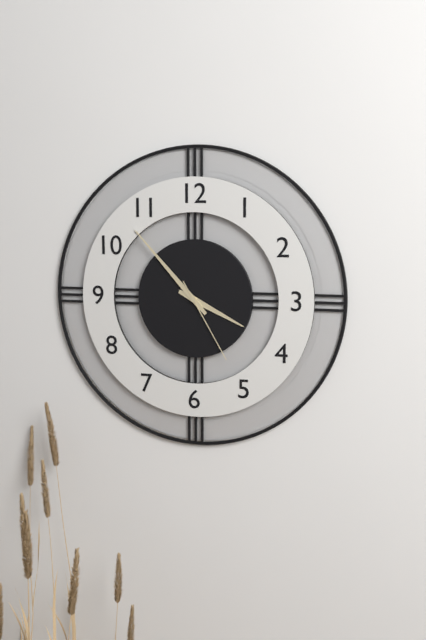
3:53:25
